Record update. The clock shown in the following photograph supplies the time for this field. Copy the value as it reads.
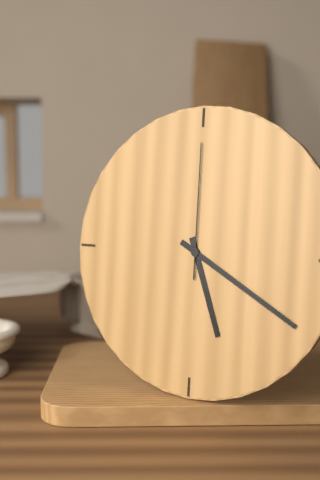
5:20:00
